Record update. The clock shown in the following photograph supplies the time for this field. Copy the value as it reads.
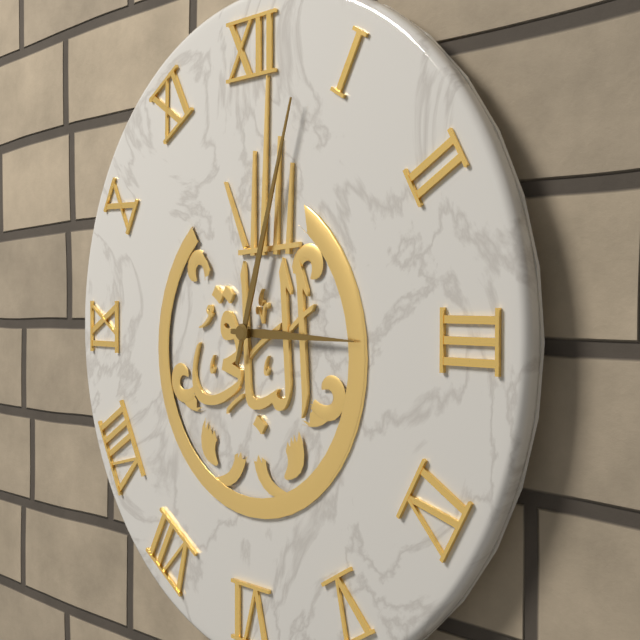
3:03
